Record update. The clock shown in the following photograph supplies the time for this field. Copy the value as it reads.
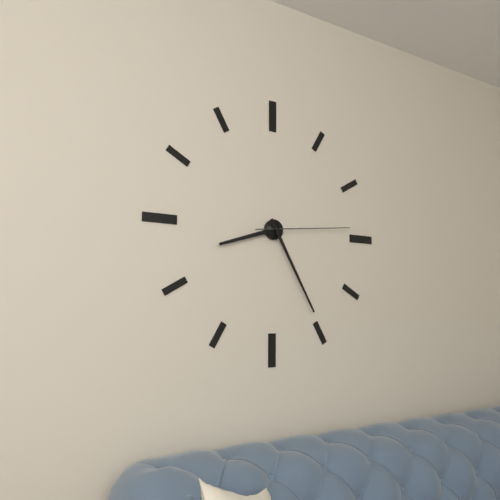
8:25:14
